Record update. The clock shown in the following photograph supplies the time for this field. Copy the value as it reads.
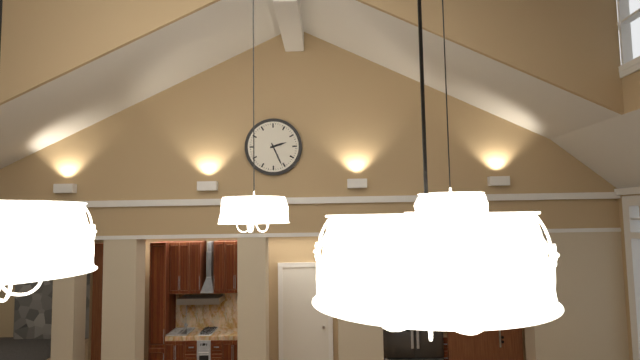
2:26
